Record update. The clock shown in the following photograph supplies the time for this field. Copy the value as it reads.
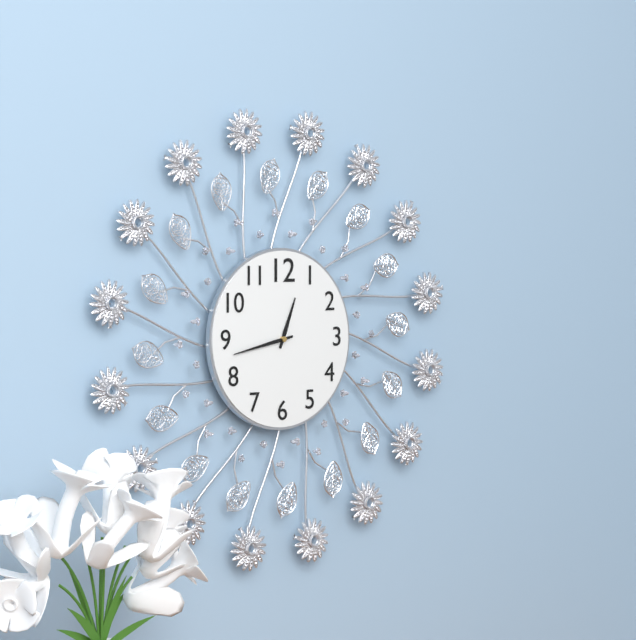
12:43
